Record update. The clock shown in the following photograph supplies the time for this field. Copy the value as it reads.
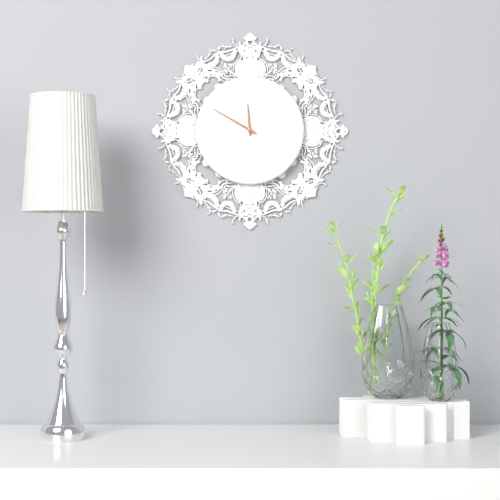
11:50
